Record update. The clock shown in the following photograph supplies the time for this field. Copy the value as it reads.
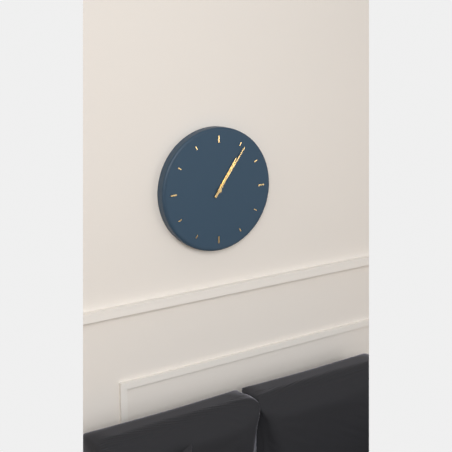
1:06
